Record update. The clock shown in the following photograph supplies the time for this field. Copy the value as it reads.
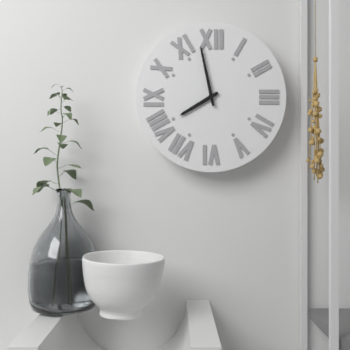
7:58
